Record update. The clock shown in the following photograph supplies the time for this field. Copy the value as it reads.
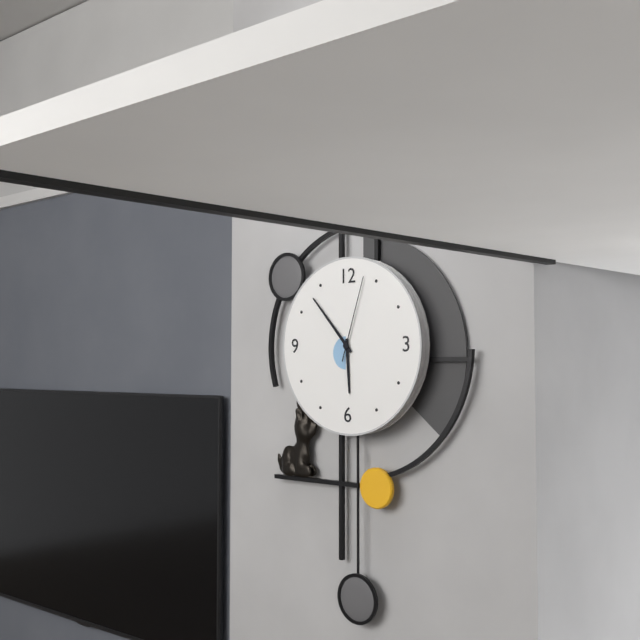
5:53:03
